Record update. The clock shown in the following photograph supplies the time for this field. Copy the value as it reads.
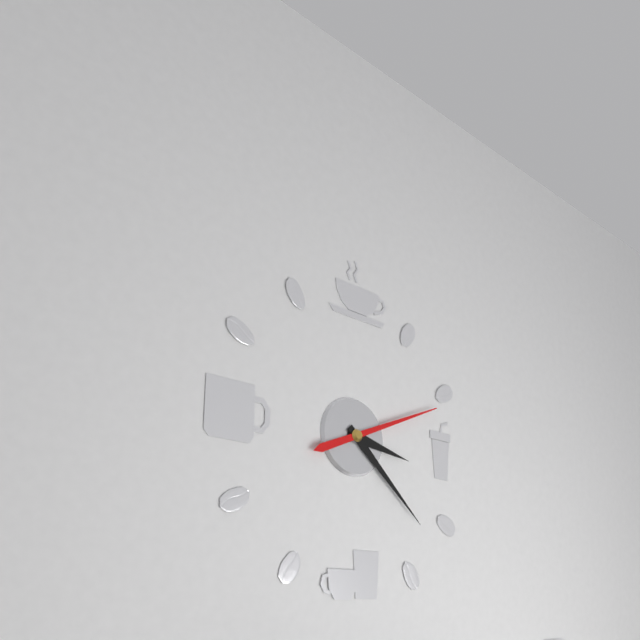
3:22:11
